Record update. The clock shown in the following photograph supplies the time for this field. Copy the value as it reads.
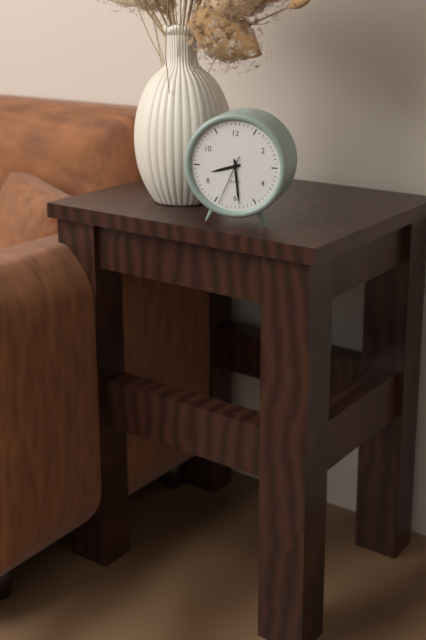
8:29:34
